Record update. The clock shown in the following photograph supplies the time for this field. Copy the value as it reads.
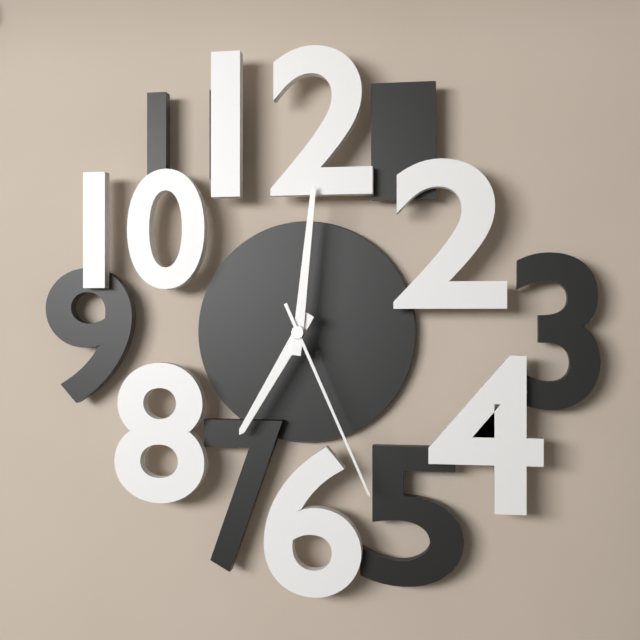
7:01:26
